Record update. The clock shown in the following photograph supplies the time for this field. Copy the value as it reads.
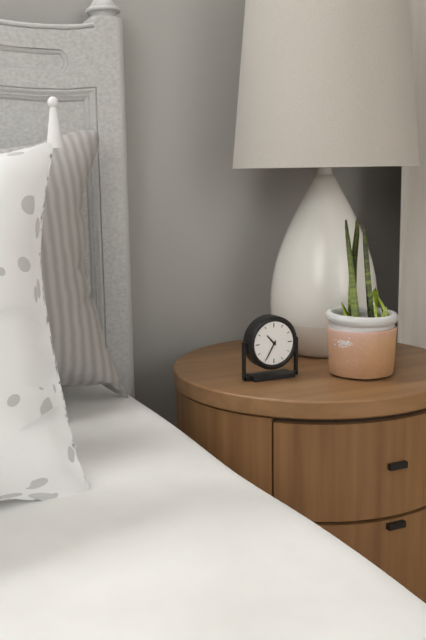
10:35
